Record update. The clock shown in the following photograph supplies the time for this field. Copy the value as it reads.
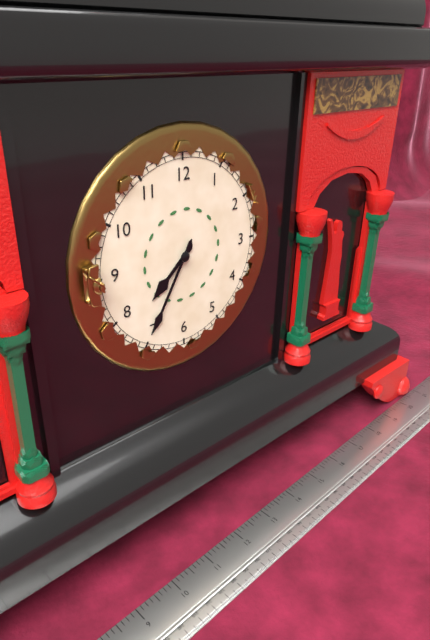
7:35
